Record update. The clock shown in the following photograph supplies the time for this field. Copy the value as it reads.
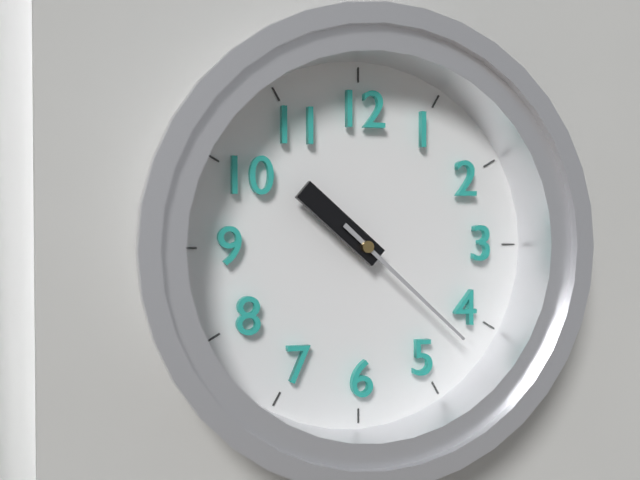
10:22
